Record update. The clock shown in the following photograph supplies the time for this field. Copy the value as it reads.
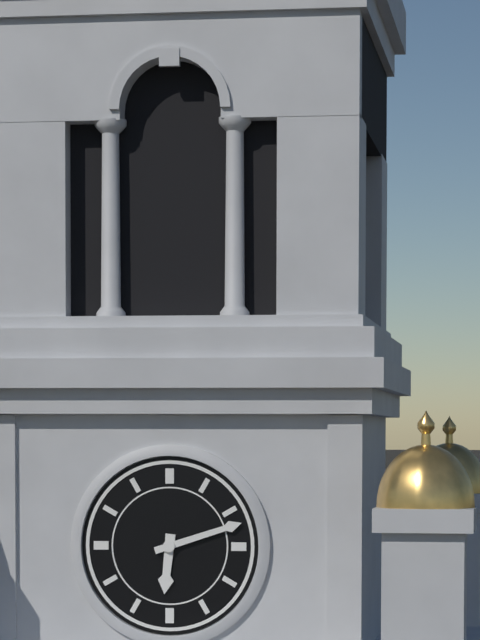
6:12
